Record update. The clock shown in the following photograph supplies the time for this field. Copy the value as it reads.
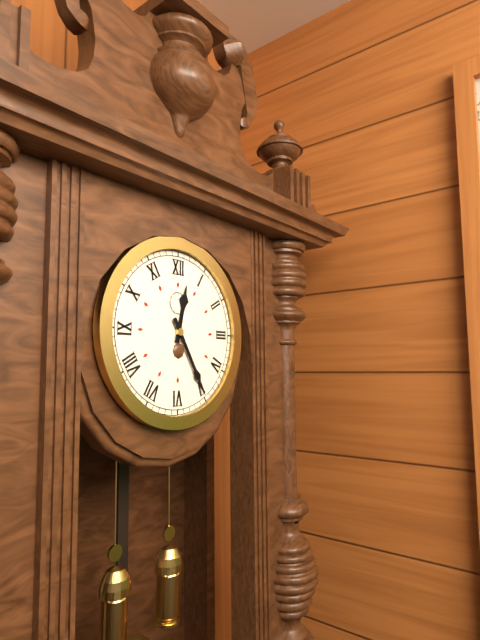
12:25
